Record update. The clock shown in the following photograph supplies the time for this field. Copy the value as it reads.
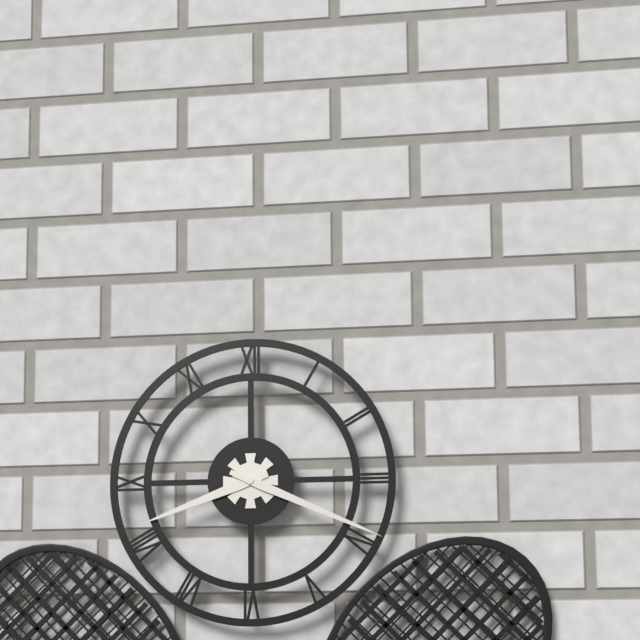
8:19
